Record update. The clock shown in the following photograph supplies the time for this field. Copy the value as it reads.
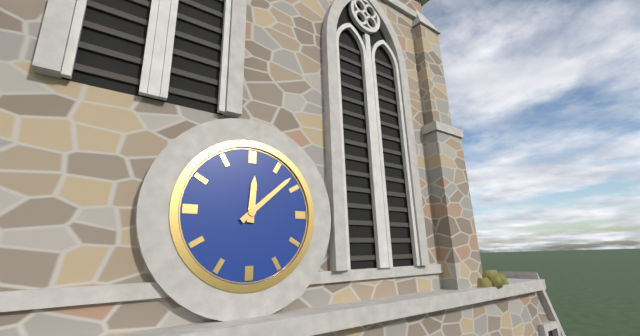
12:08
